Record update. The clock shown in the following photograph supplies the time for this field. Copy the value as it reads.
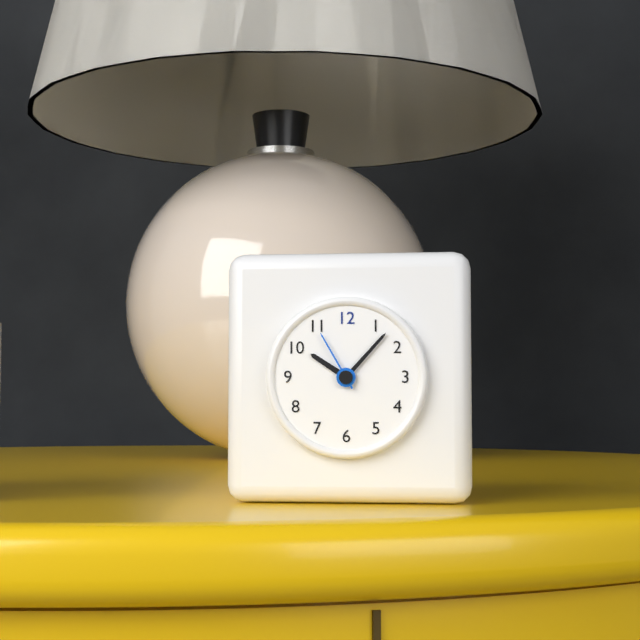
10:07:55
